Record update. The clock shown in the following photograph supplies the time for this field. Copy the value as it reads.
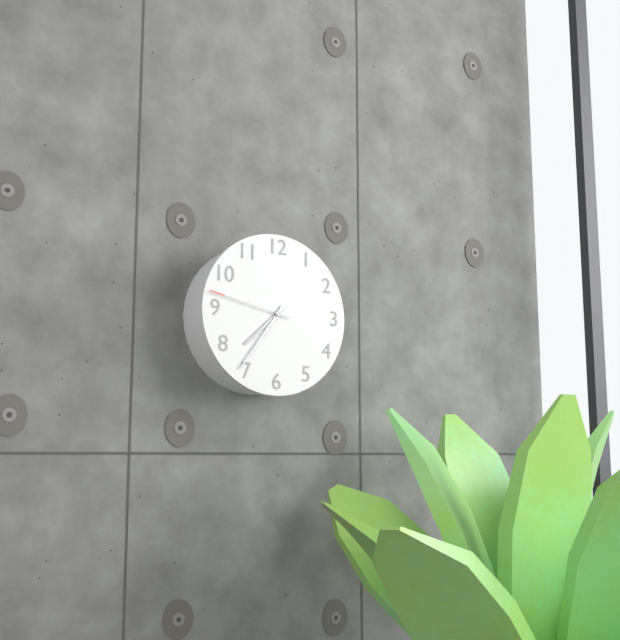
7:36:47
